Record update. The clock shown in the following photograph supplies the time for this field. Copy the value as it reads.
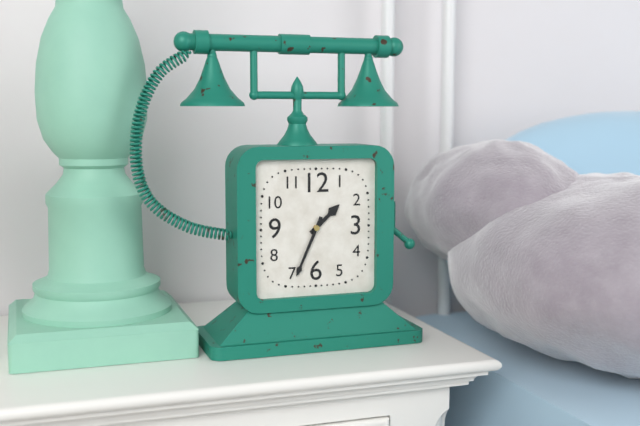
1:34
